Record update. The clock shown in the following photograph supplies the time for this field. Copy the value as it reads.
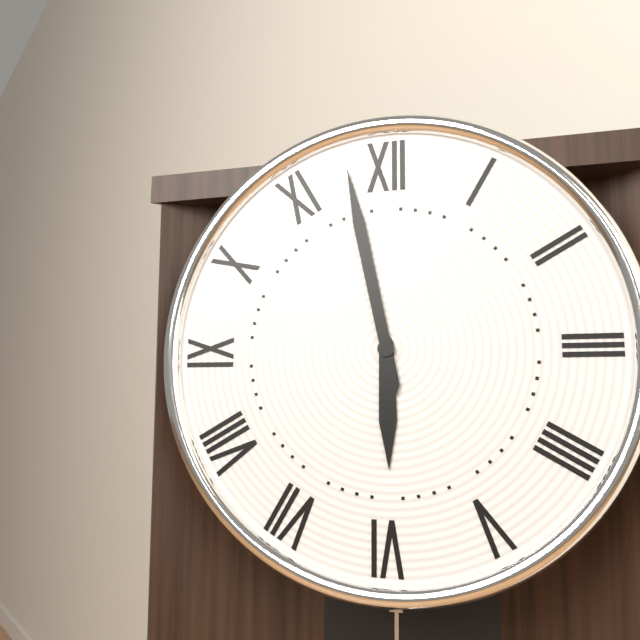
5:58
